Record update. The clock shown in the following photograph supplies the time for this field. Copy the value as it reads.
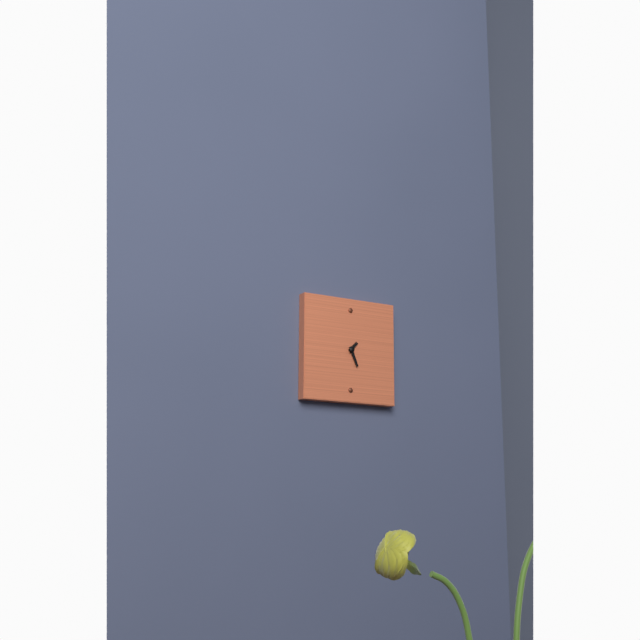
1:26
